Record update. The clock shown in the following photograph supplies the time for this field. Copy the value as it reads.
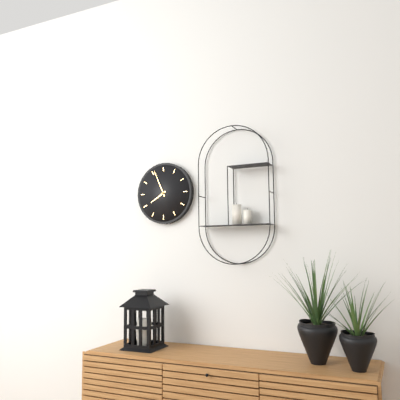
7:56
